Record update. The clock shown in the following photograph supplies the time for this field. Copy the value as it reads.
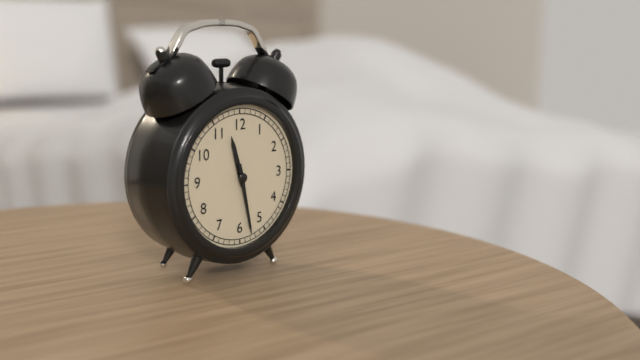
11:28
